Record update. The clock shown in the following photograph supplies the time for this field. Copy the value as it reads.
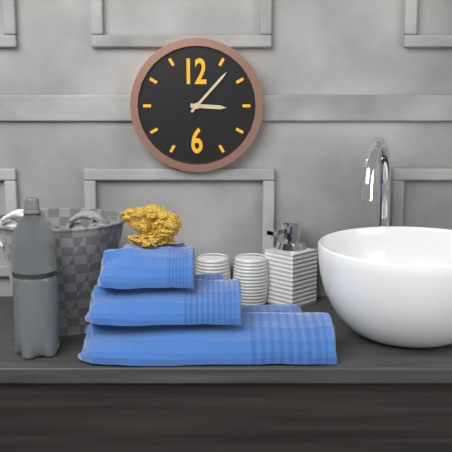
3:07
